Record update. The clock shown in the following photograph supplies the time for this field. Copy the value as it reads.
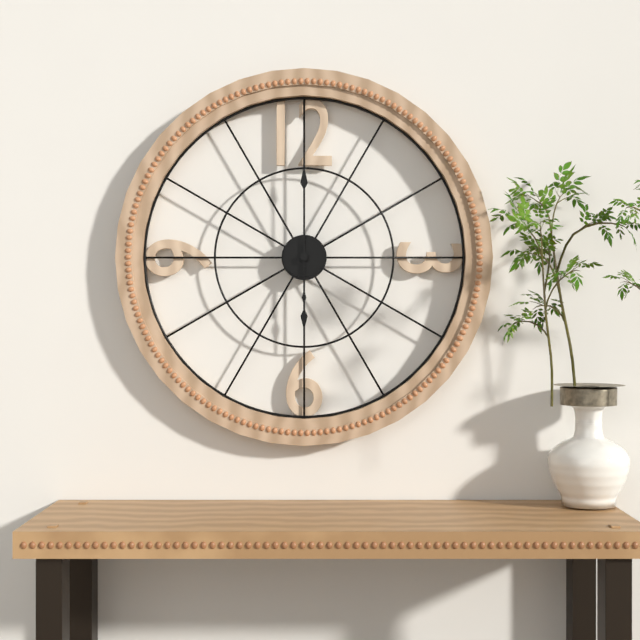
6:00
